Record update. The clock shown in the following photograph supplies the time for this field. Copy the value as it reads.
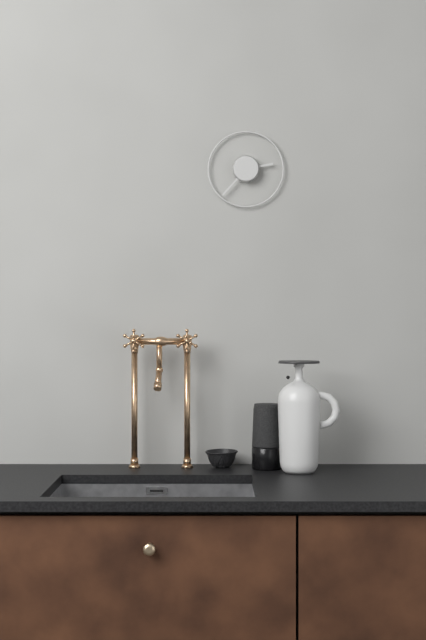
2:37
